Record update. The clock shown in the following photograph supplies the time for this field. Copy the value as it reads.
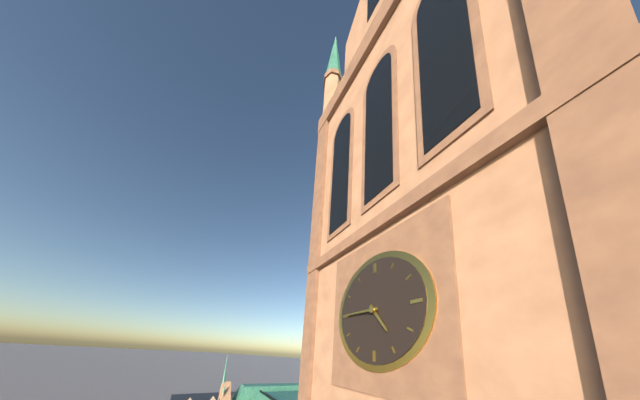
4:45
